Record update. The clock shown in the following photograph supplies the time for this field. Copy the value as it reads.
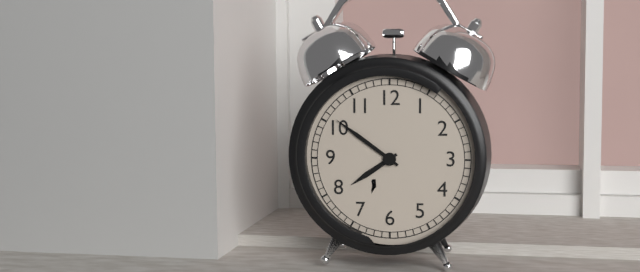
7:51
